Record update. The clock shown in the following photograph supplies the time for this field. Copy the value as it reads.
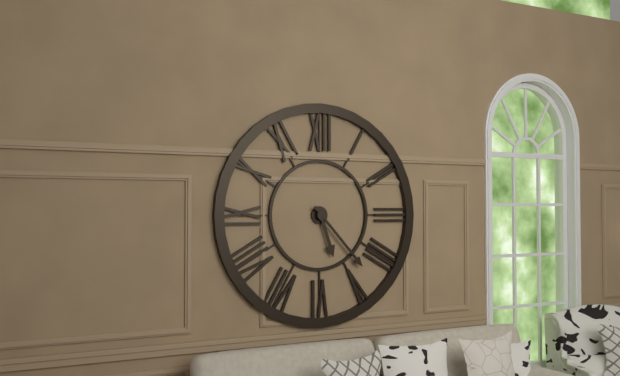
5:23
